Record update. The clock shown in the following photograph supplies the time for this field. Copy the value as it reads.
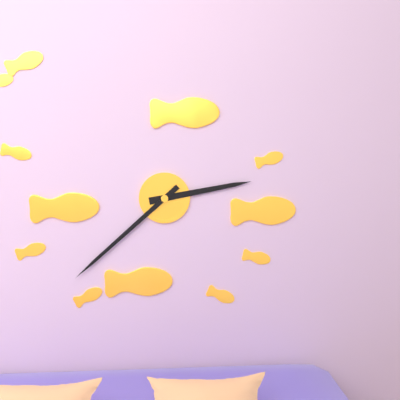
2:38
